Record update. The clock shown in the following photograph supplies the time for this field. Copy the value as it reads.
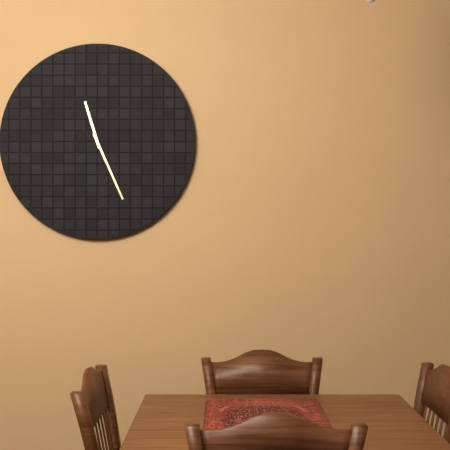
11:26
